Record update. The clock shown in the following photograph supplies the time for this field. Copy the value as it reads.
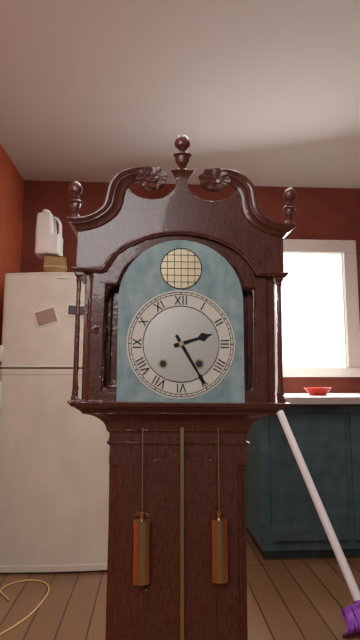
2:25
